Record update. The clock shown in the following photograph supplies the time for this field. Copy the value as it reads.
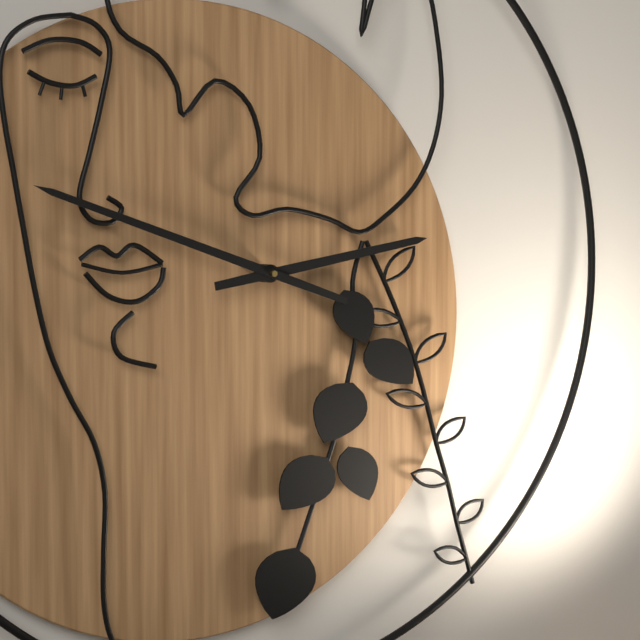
2:49
